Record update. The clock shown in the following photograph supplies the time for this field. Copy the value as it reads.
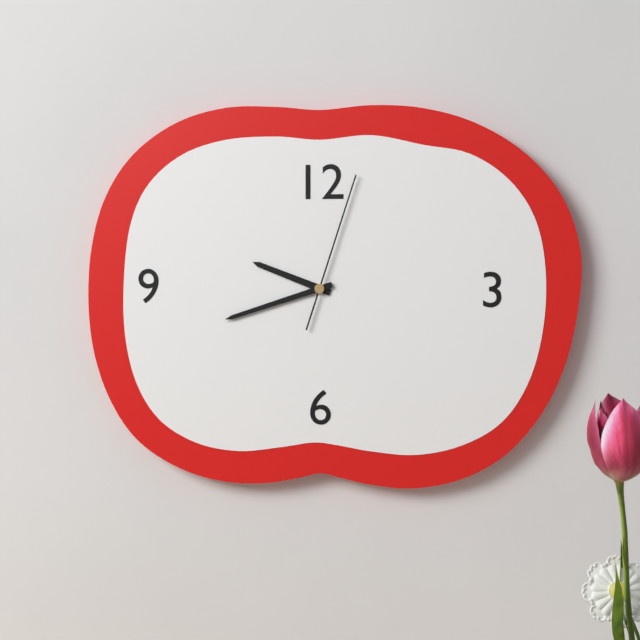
9:42:03
